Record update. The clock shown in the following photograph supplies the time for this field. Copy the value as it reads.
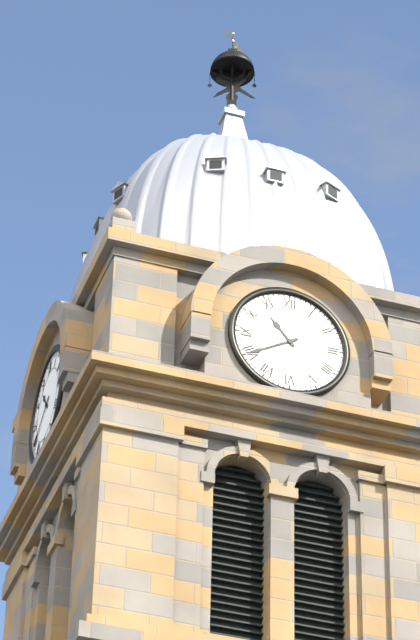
10:40
